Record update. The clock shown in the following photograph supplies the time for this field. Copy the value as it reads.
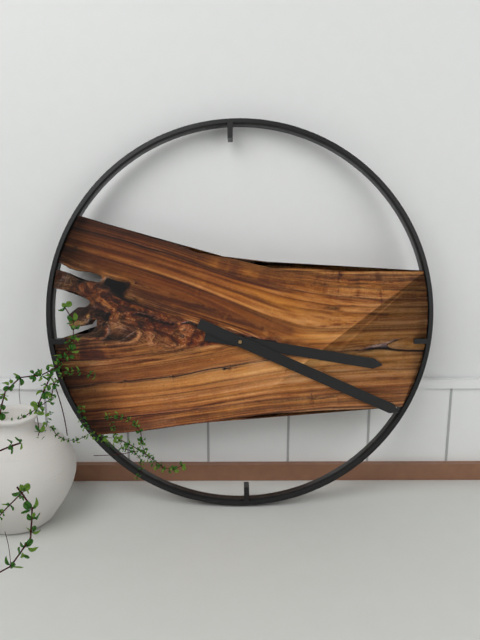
3:19
